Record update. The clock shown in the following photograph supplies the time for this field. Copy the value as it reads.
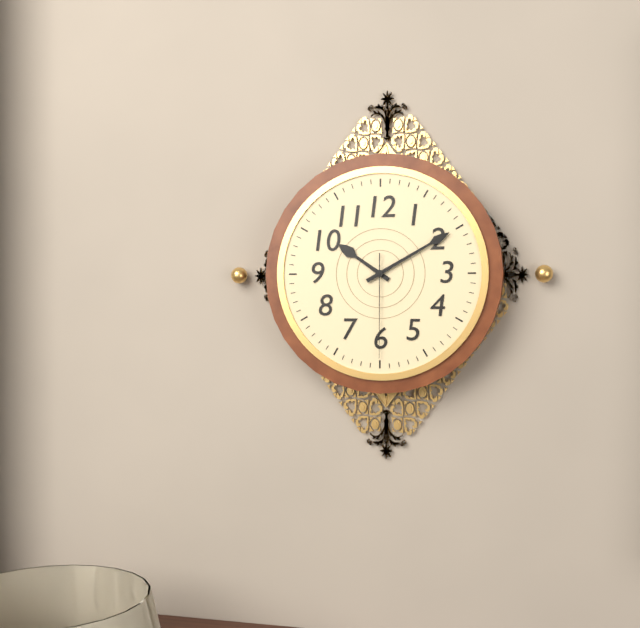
10:10:30
